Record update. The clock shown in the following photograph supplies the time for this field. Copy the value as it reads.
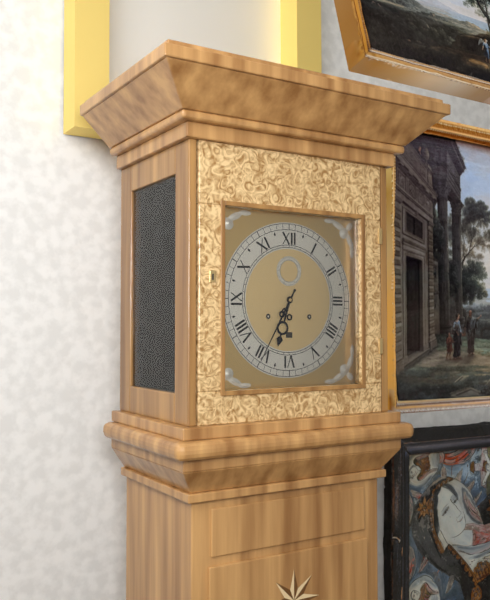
6:35
